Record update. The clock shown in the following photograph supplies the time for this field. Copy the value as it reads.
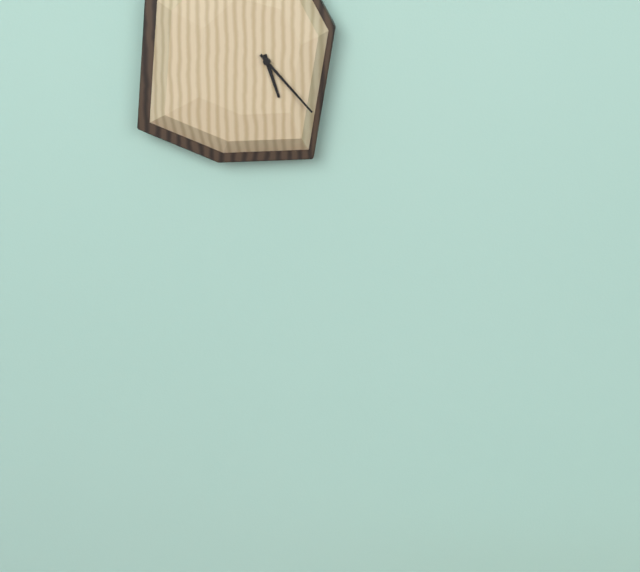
5:23
